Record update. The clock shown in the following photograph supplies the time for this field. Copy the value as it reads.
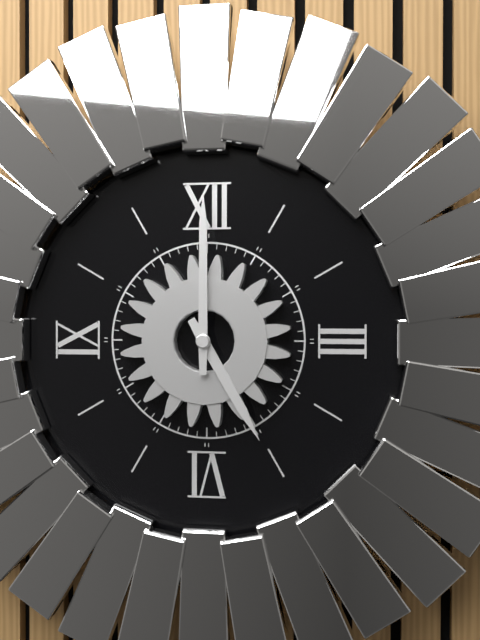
5:00
